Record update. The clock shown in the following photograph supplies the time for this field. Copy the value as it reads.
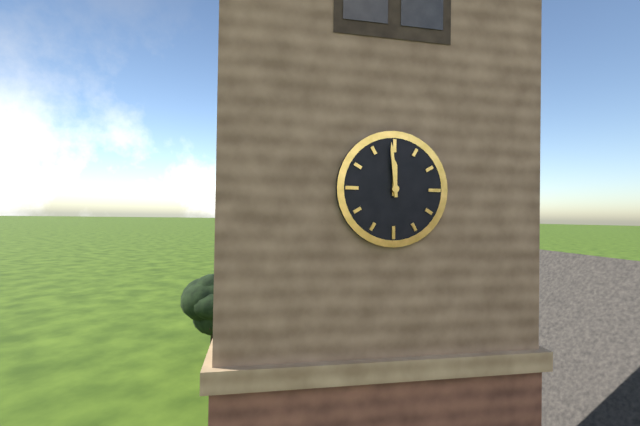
11:59
